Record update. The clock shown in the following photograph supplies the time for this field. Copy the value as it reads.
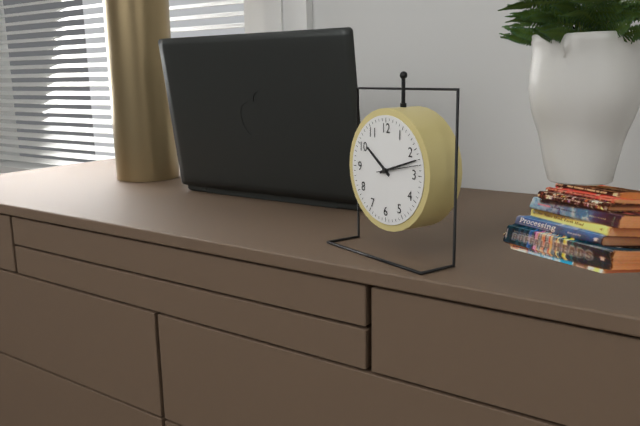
10:12
